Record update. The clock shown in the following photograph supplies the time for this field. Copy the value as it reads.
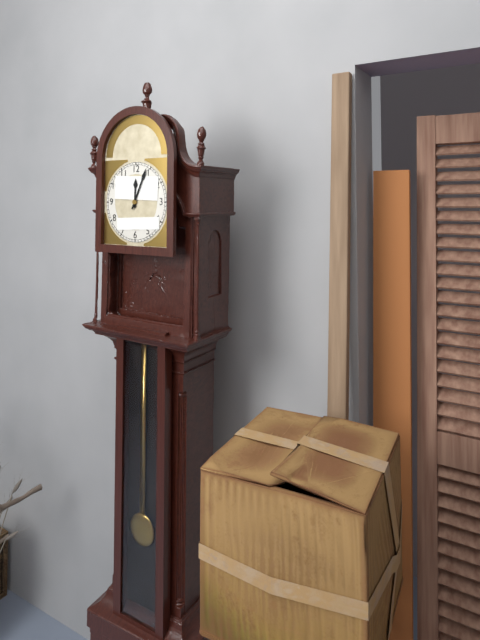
12:04
